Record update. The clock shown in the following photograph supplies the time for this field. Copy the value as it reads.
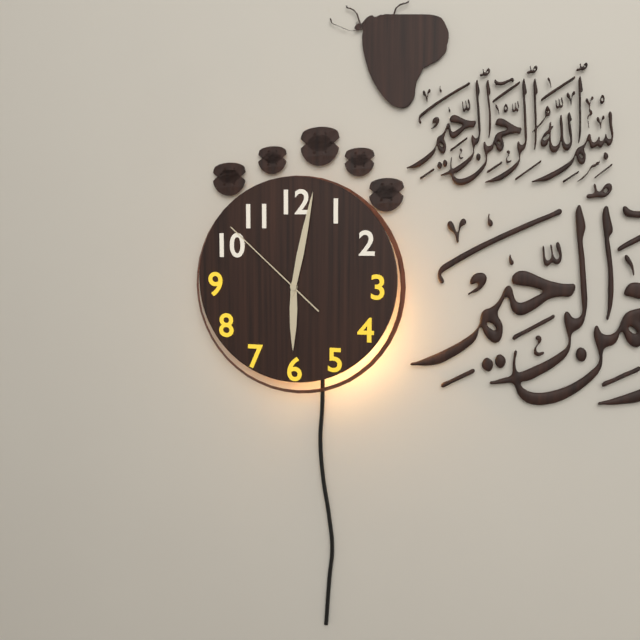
6:02:52
